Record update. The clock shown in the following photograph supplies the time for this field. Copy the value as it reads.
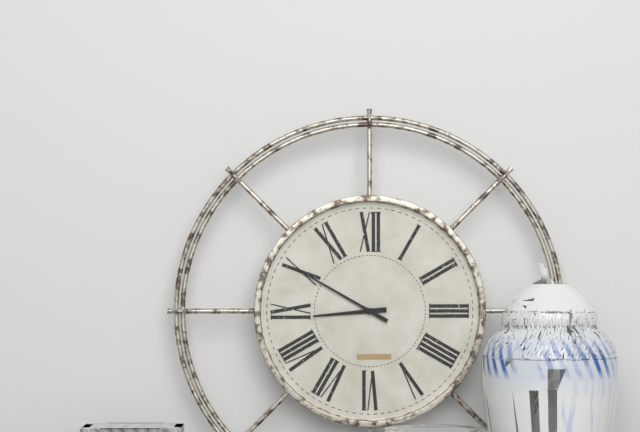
8:50
